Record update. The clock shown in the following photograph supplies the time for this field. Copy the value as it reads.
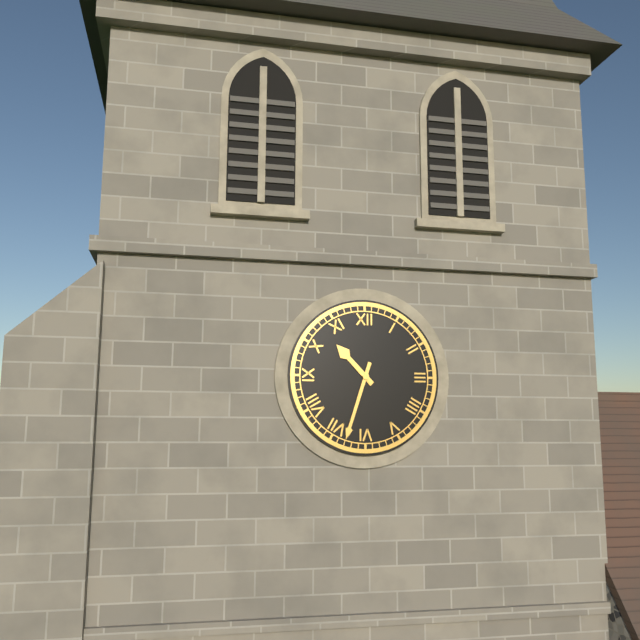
10:33
